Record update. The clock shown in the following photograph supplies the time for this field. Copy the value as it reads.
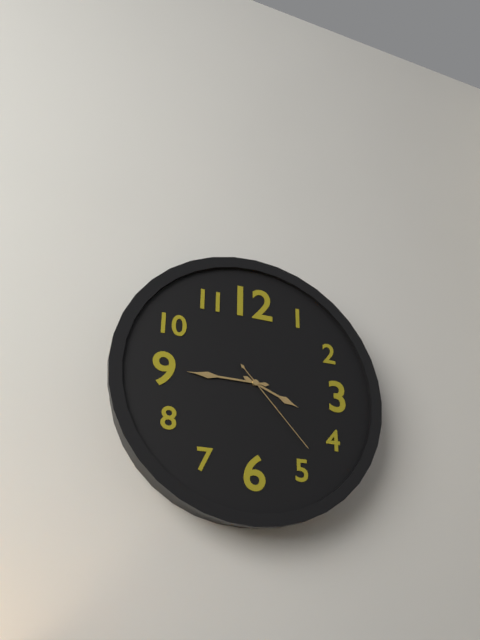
3:45:23
